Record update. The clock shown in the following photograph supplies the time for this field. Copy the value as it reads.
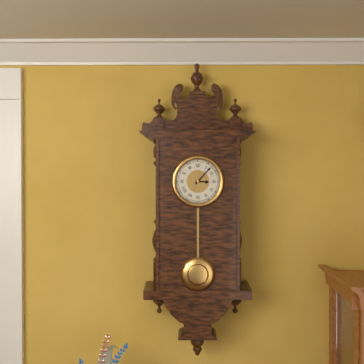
3:07
